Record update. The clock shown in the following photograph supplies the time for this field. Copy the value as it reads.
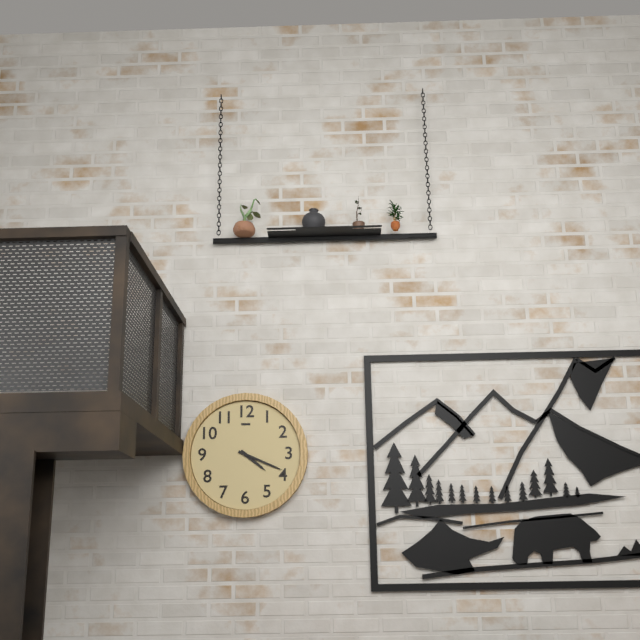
4:19
